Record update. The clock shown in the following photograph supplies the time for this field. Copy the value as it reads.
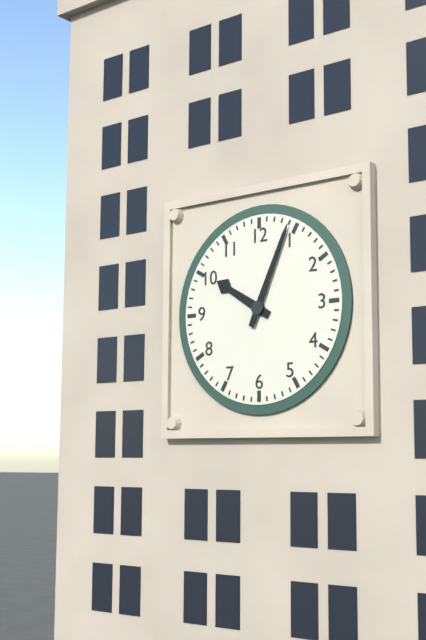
10:04
